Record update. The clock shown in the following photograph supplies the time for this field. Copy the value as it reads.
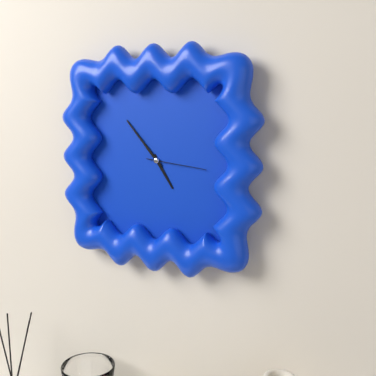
4:53:16
